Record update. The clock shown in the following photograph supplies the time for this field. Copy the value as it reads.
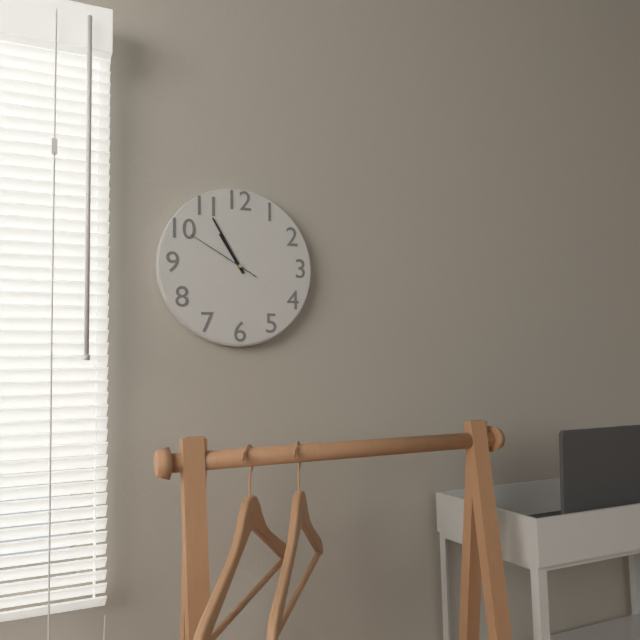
10:55:50
